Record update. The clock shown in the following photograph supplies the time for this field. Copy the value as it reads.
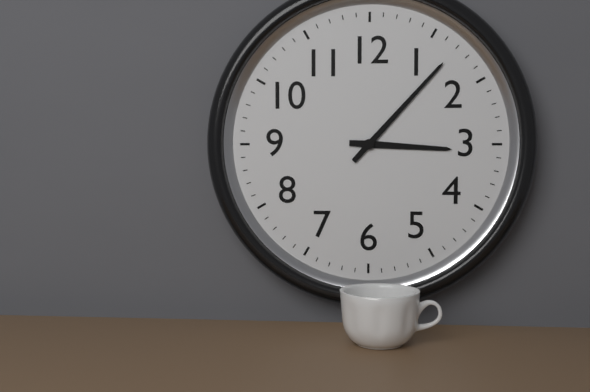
3:07
